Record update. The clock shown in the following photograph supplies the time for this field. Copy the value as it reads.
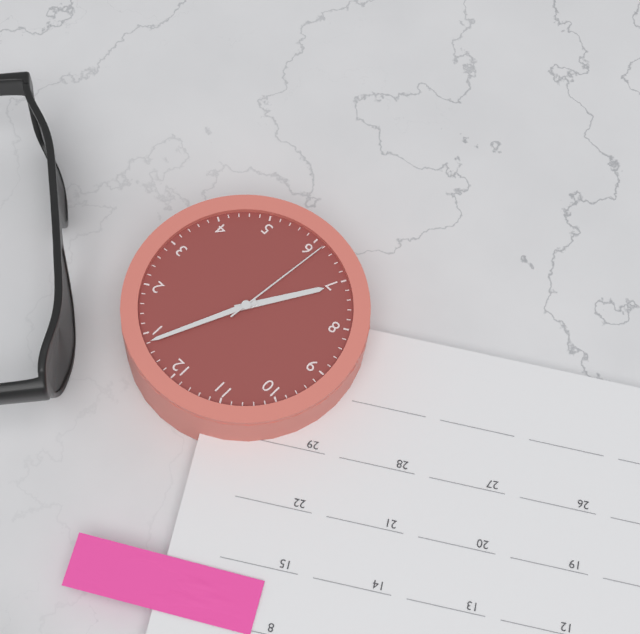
7:04:31
